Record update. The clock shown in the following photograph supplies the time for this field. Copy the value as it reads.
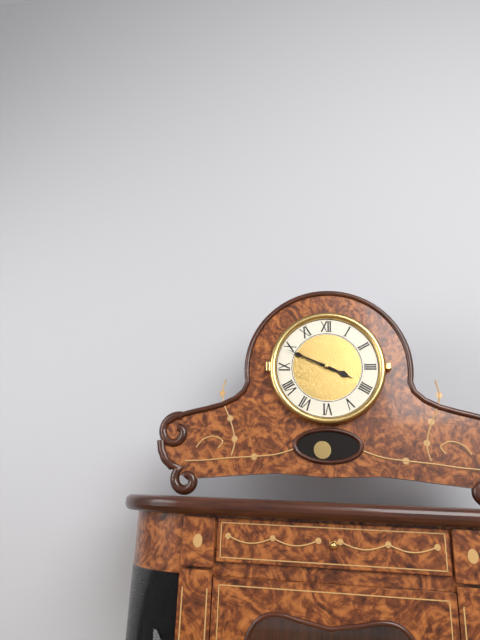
3:49
